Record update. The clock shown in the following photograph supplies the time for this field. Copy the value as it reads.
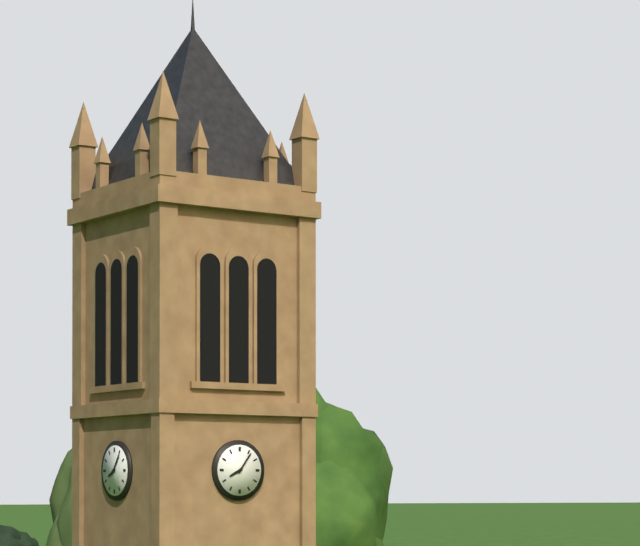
8:06
